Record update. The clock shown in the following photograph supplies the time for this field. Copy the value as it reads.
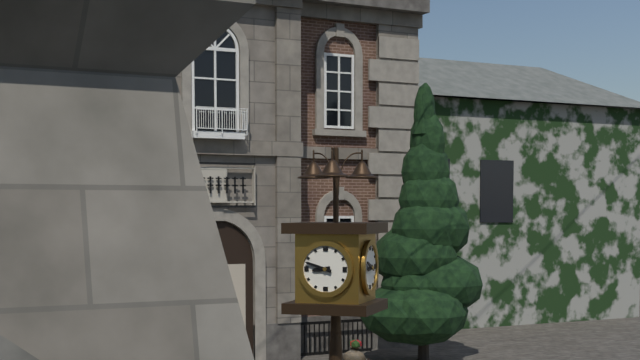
8:48
